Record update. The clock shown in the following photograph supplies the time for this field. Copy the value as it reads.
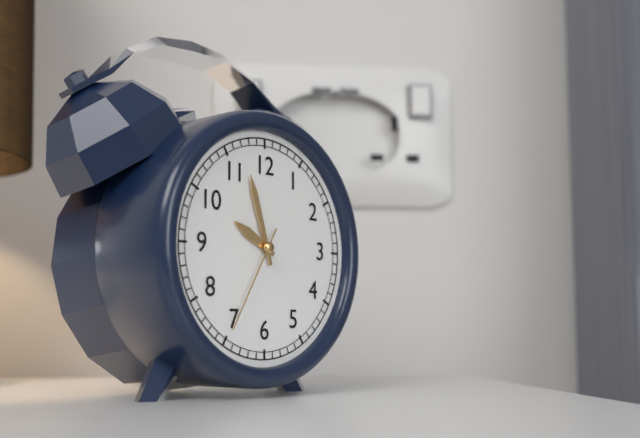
9:57:35
